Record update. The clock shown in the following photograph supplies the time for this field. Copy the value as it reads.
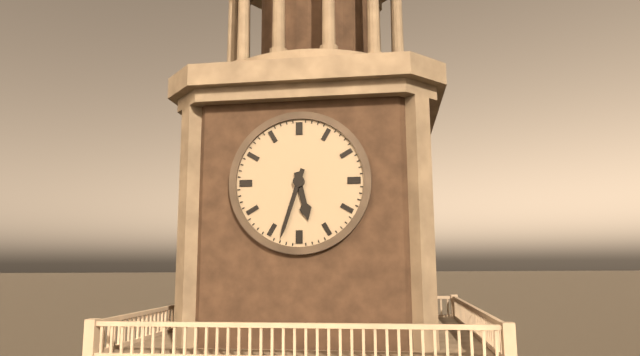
5:33
